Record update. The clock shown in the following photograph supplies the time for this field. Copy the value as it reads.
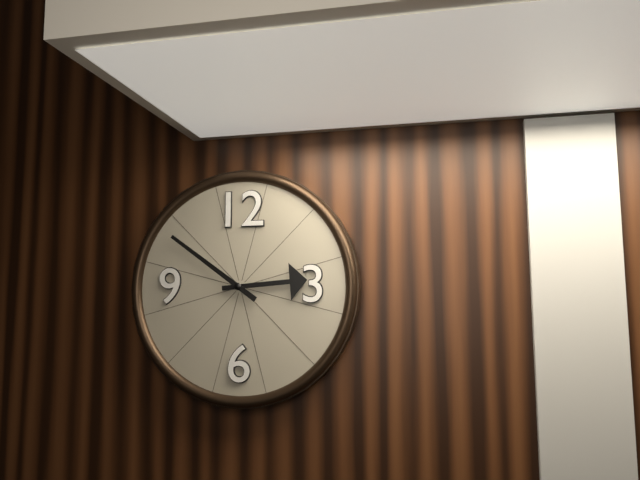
2:51
